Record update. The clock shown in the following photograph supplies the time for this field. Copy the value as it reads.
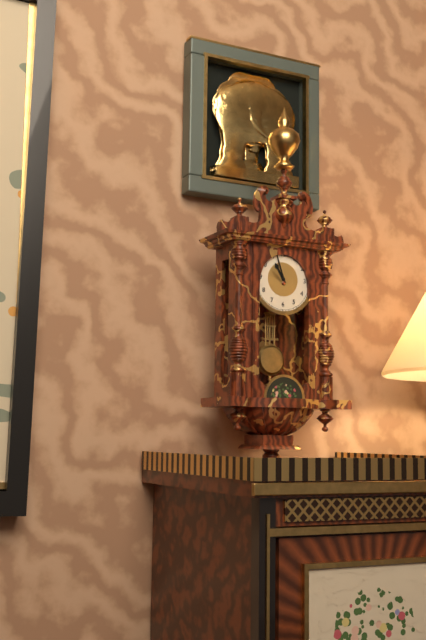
10:57
